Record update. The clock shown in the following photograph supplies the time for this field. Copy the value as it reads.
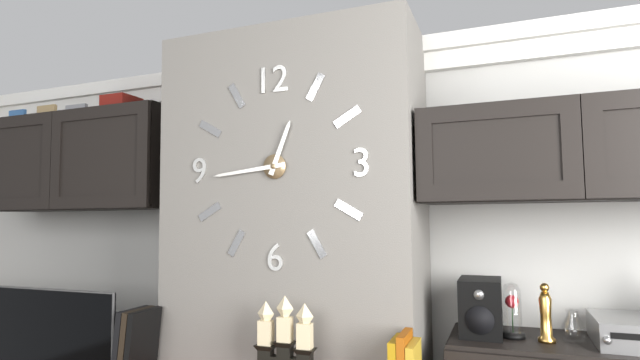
12:44
